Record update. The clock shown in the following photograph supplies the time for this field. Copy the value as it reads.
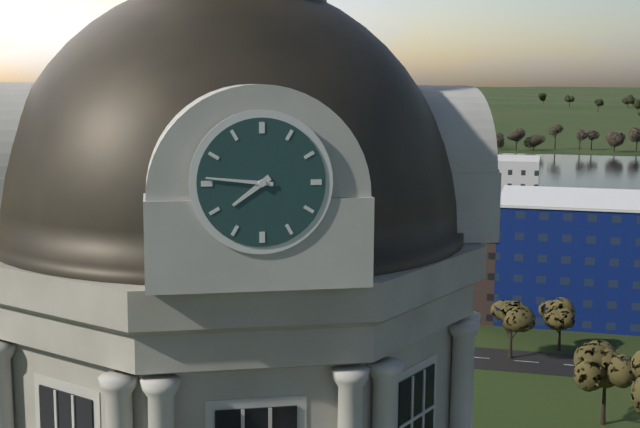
7:46
